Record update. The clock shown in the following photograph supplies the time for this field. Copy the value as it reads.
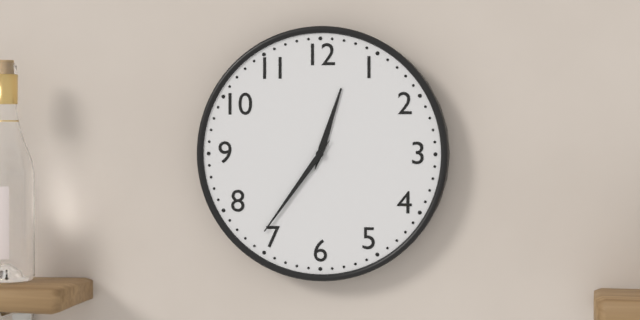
12:36
